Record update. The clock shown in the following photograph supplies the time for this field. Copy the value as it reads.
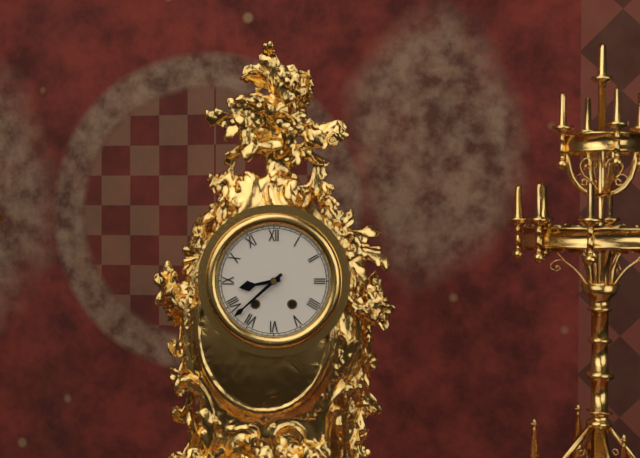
8:38
